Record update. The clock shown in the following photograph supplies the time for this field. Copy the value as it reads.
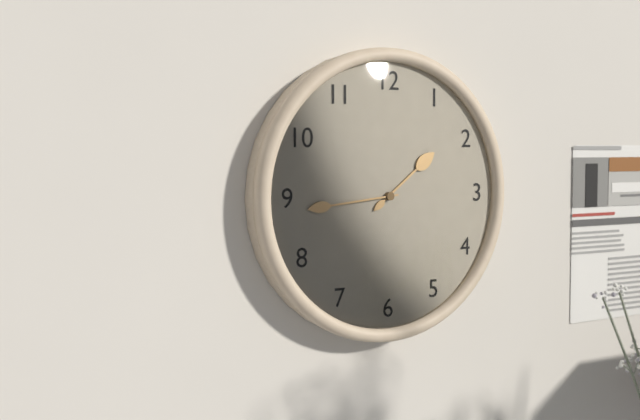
1:44
